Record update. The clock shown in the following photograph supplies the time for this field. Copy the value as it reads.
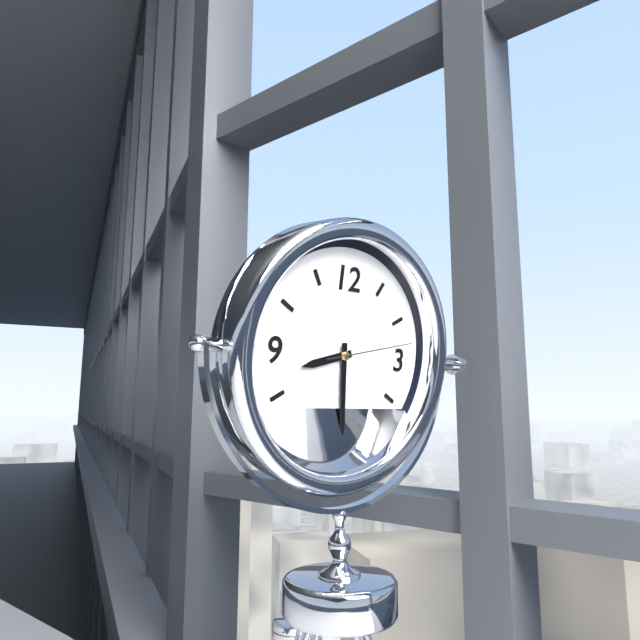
8:29:13
